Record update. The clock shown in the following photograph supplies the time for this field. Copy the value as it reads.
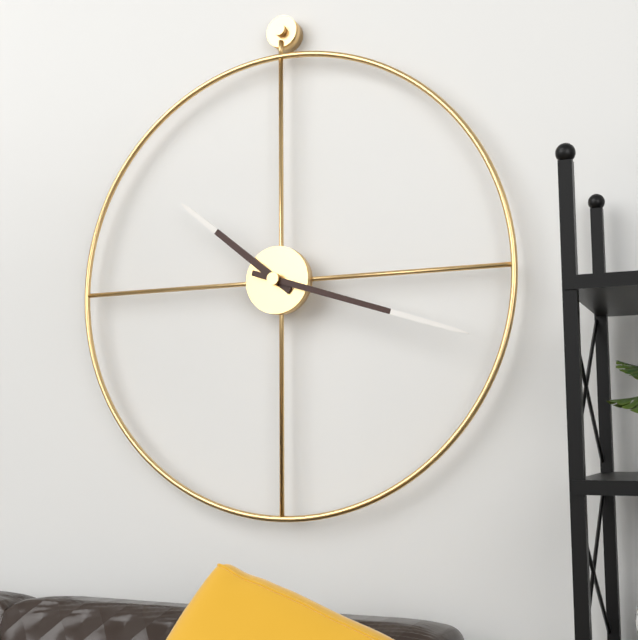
10:18
